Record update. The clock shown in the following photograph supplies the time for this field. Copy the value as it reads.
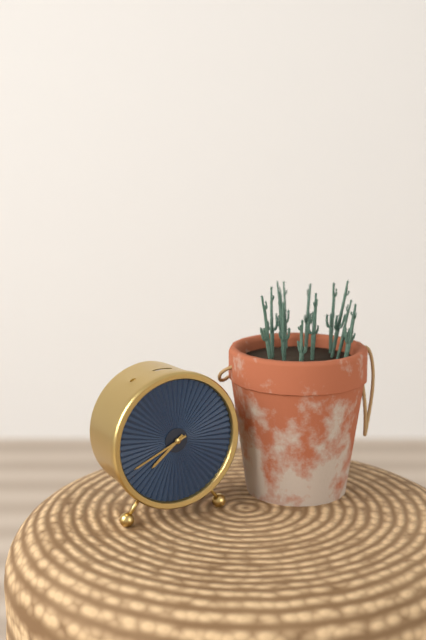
7:41
